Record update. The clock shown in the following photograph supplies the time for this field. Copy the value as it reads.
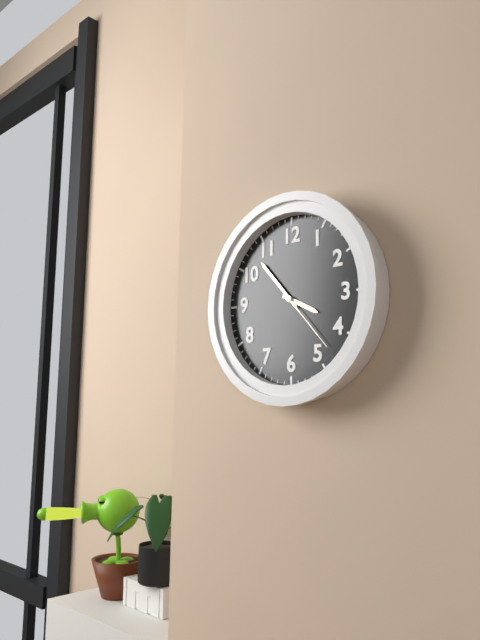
3:53:23
